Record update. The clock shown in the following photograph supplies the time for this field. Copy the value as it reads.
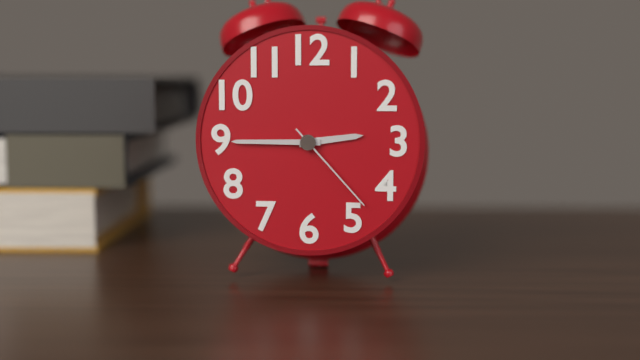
2:45:23
